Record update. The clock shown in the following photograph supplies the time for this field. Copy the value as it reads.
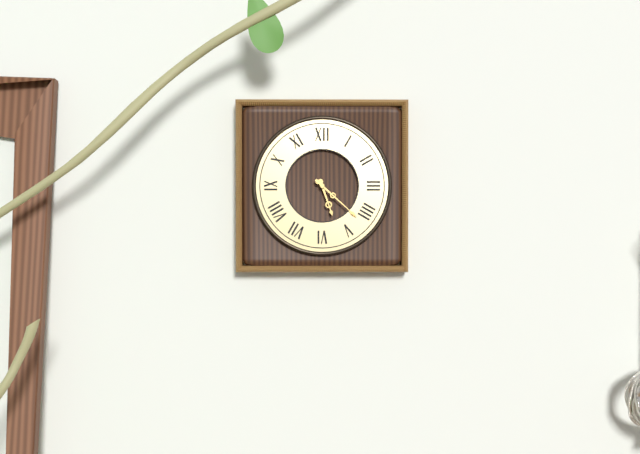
5:22
